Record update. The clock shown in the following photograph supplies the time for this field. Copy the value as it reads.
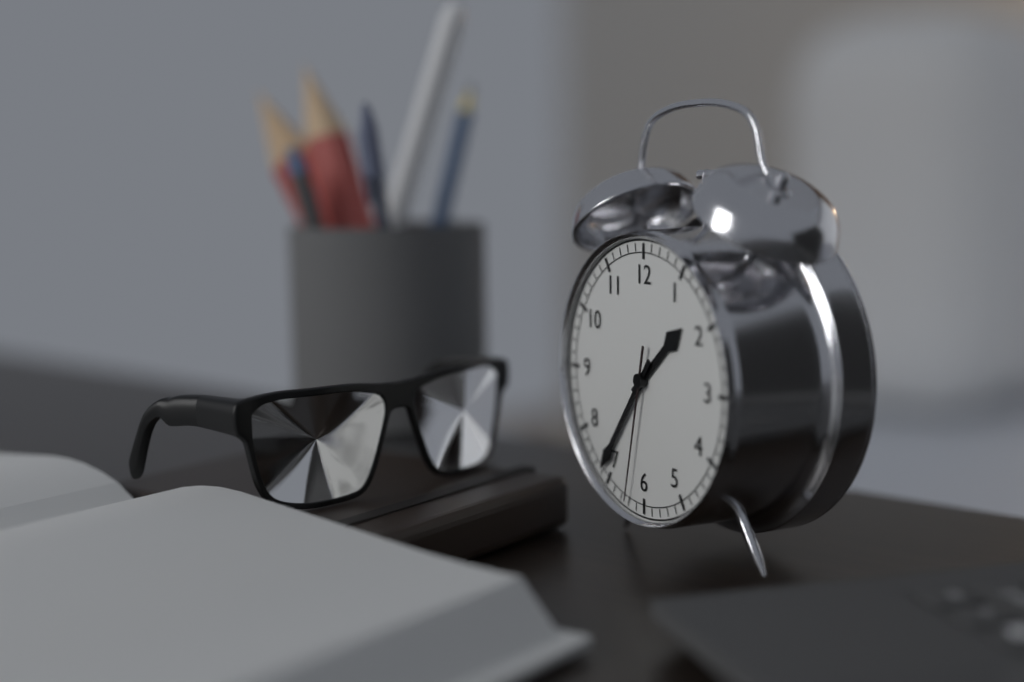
1:36:32
